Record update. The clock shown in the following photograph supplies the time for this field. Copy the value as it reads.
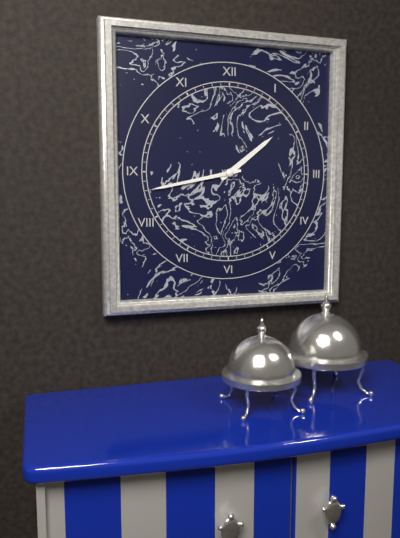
1:43
